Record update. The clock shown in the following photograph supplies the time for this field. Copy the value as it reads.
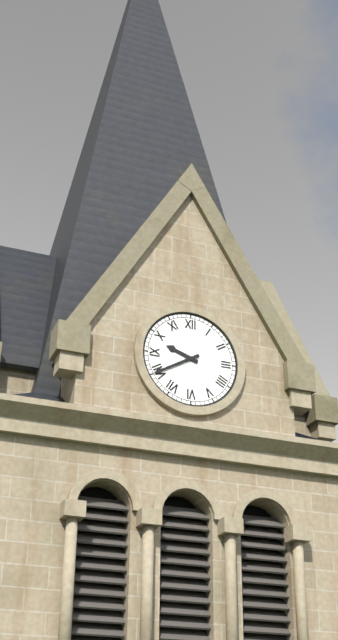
9:40
